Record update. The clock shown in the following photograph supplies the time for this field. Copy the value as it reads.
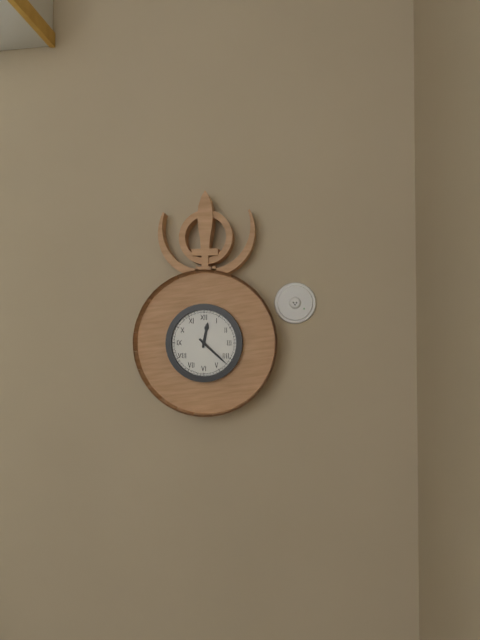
12:22
